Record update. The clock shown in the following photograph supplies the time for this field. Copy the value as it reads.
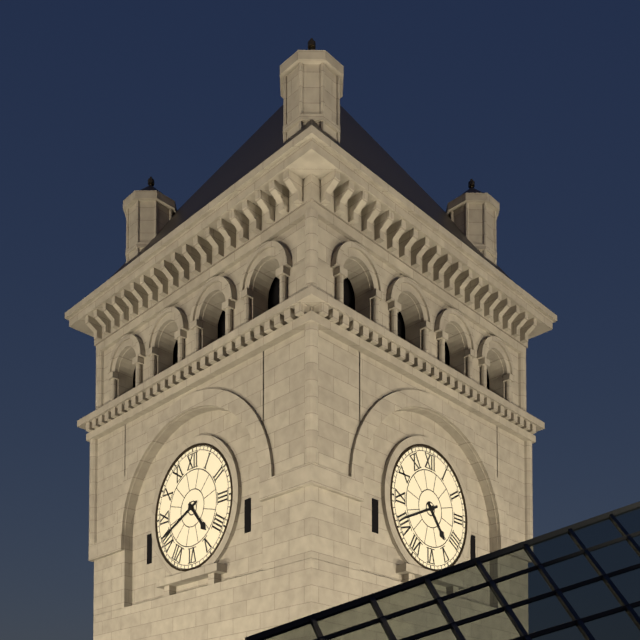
4:41
